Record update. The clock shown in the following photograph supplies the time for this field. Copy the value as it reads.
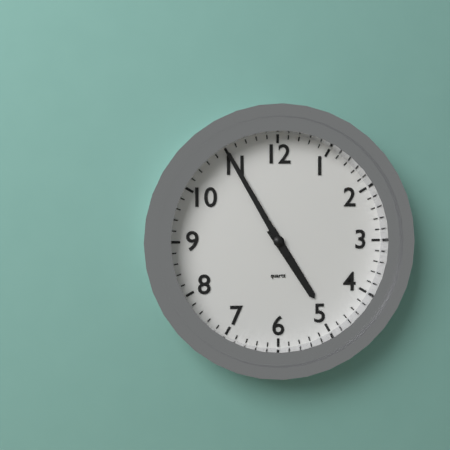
4:55
